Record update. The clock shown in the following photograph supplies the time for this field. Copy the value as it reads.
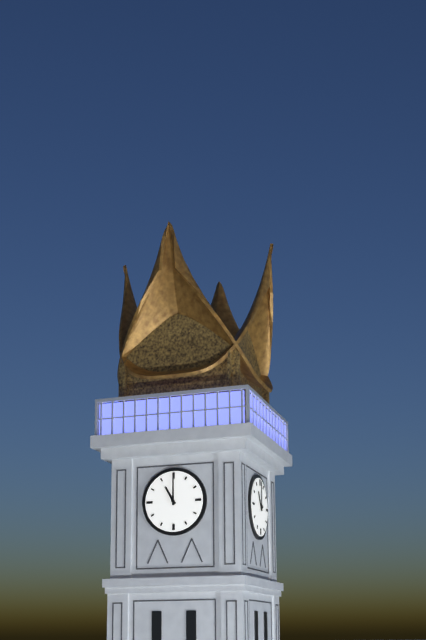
11:00
